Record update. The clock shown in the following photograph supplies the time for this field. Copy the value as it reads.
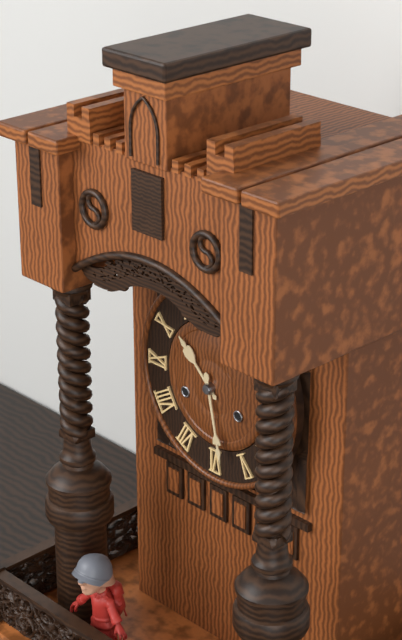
10:28
